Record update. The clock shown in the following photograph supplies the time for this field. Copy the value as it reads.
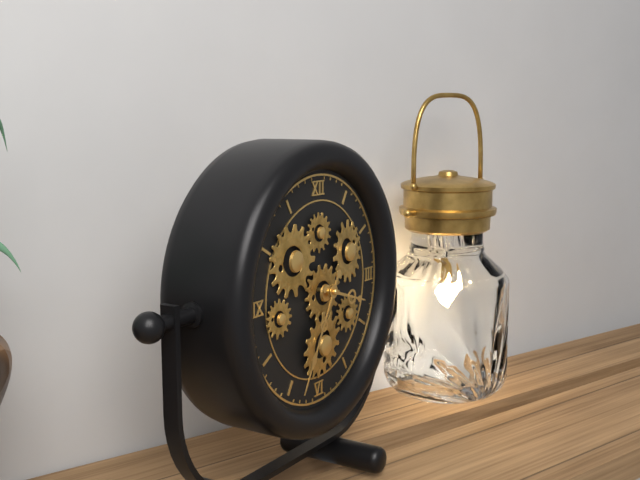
3:35
